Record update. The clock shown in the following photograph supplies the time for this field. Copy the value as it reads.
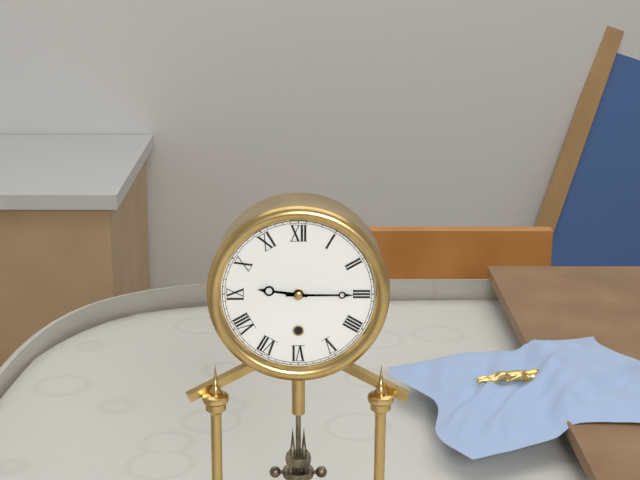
9:15
